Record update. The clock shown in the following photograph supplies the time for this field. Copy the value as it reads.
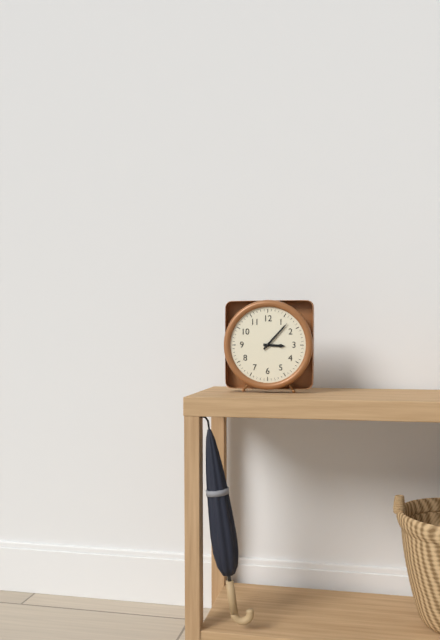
3:07
